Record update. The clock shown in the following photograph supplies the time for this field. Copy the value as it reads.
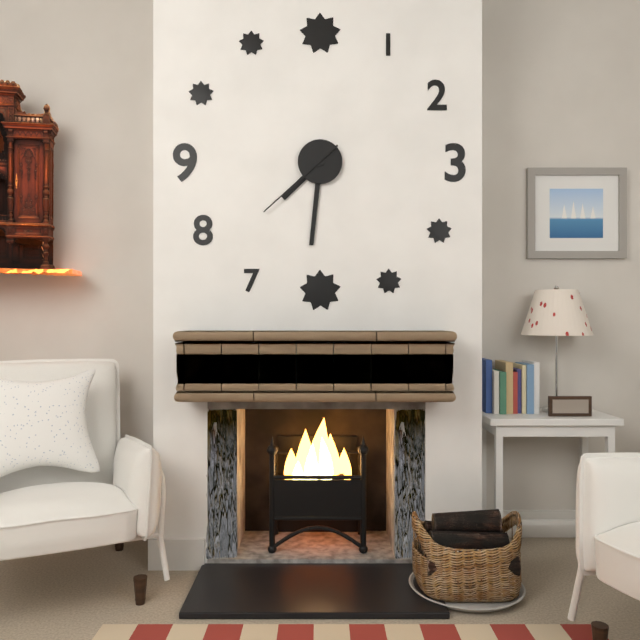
7:31:38
